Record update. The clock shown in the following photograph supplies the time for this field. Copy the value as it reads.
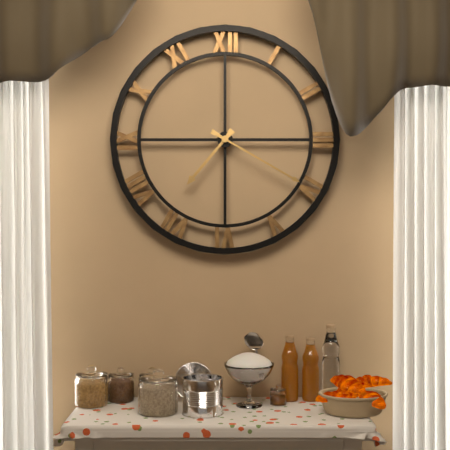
7:20
